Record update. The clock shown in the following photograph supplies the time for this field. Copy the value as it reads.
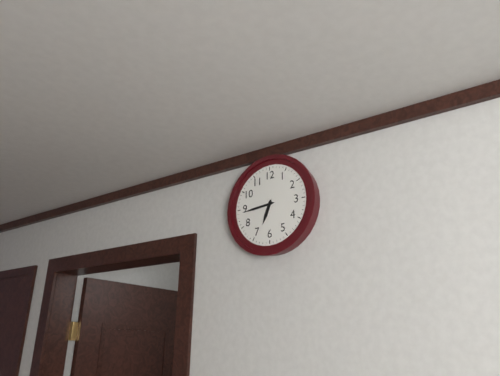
6:44
